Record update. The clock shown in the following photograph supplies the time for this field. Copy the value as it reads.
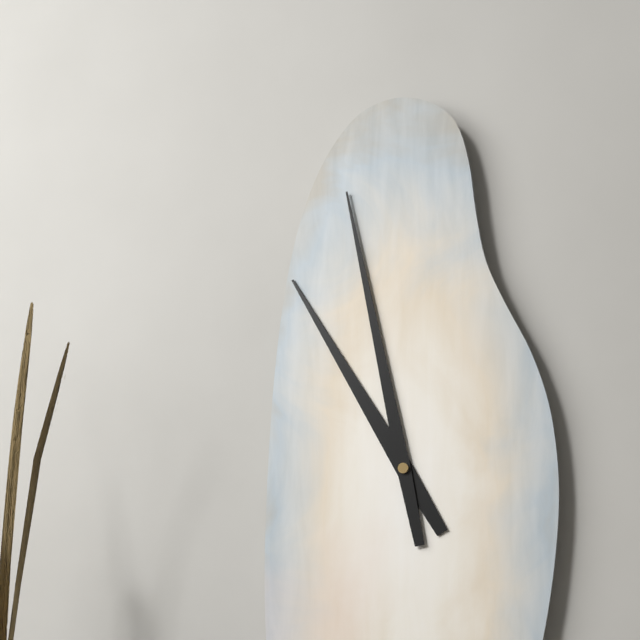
10:58
